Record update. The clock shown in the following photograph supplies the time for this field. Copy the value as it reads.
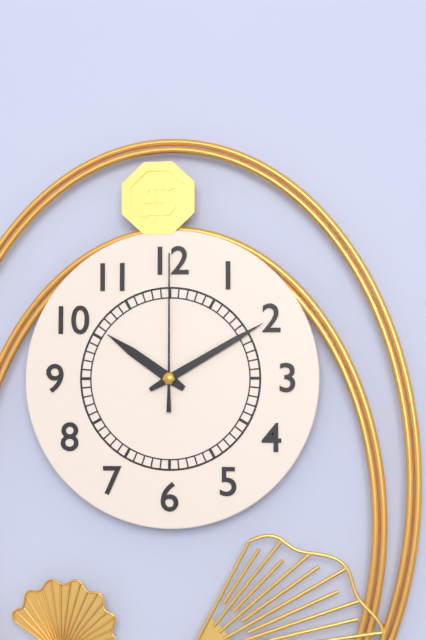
10:10:00
